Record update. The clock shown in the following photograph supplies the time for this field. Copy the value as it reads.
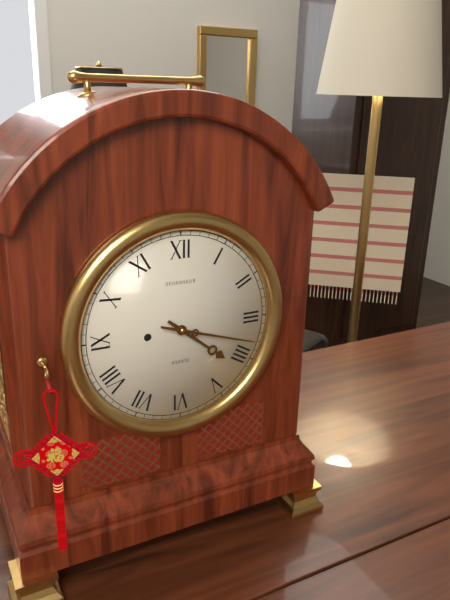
4:18
